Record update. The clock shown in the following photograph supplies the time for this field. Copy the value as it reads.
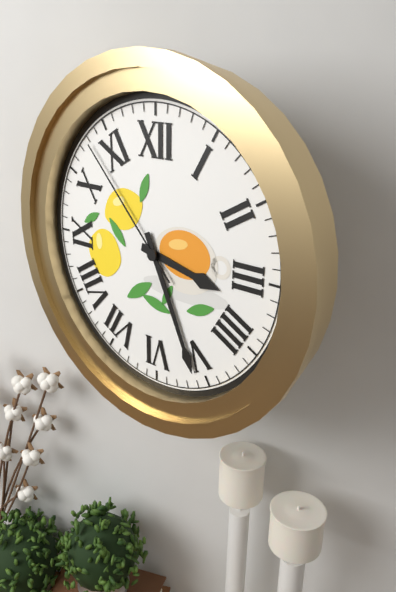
3:26:53
